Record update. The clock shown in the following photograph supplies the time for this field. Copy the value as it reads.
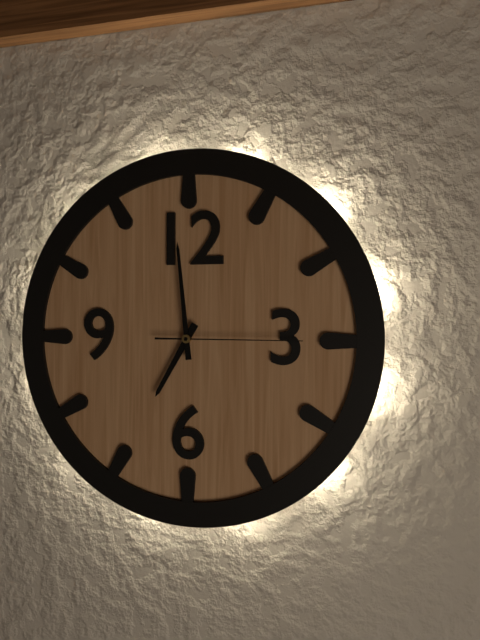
6:59:15
